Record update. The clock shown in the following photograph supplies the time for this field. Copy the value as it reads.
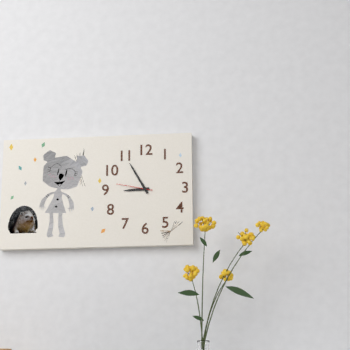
8:55
